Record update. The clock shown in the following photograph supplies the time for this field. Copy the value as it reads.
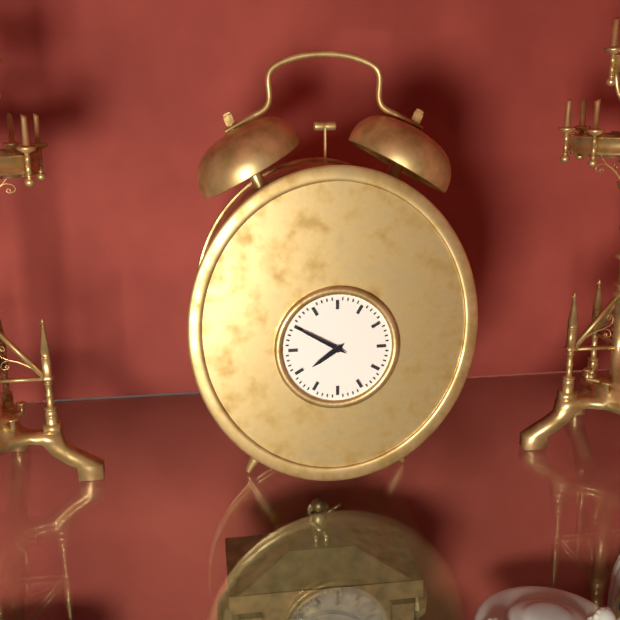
7:50
